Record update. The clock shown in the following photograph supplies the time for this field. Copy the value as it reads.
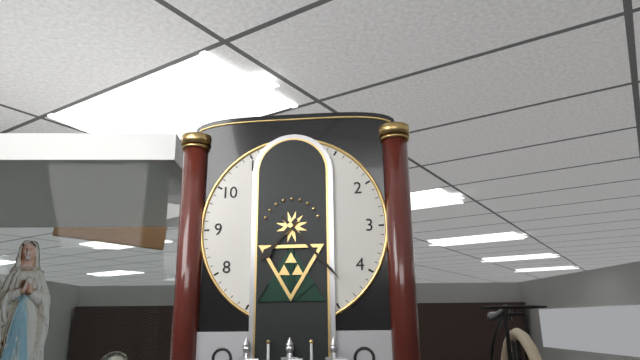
7:23
